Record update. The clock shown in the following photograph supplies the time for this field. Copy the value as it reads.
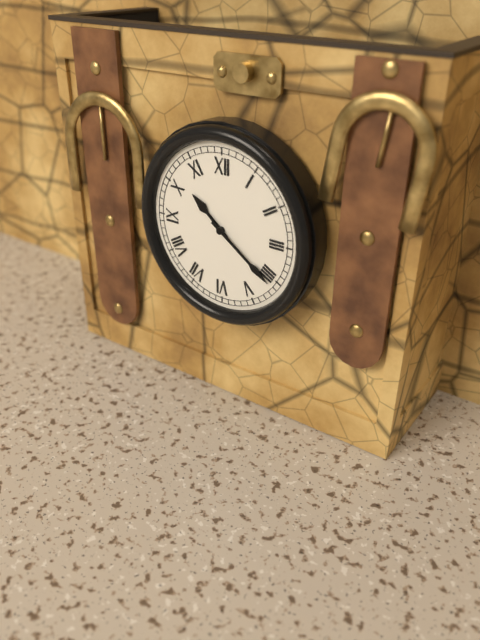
10:21
